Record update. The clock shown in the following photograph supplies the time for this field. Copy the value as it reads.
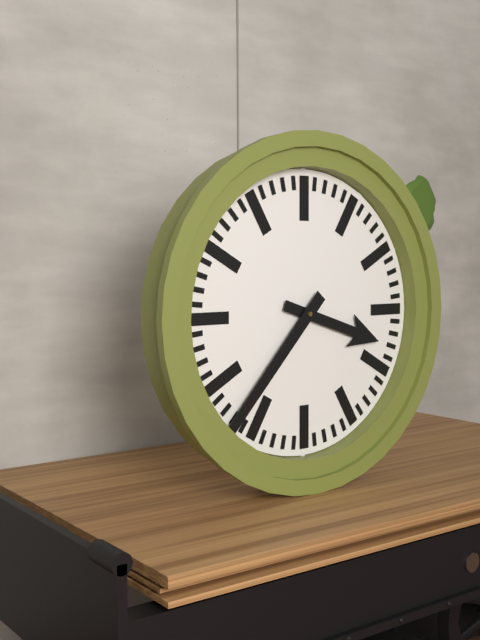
3:37
